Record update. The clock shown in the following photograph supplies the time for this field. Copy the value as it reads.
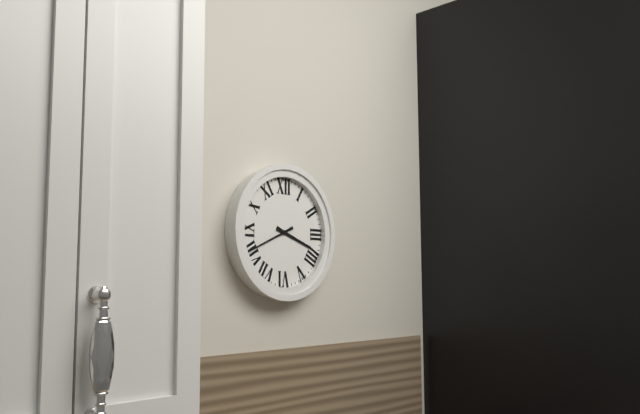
3:41
